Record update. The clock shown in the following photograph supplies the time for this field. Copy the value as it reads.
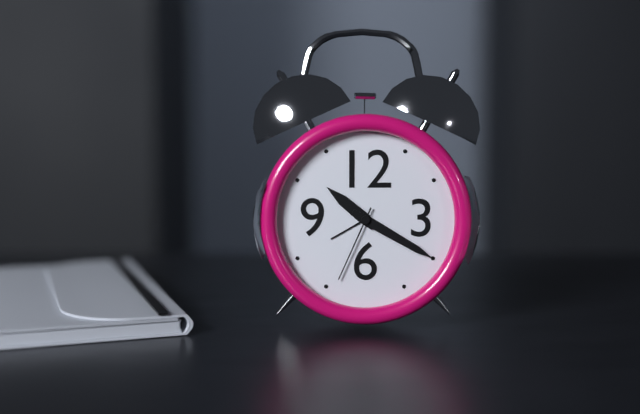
10:20:34
